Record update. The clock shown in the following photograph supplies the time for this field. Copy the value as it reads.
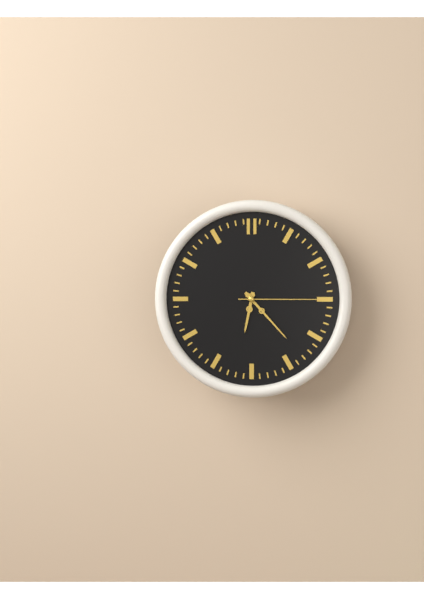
6:23:15
